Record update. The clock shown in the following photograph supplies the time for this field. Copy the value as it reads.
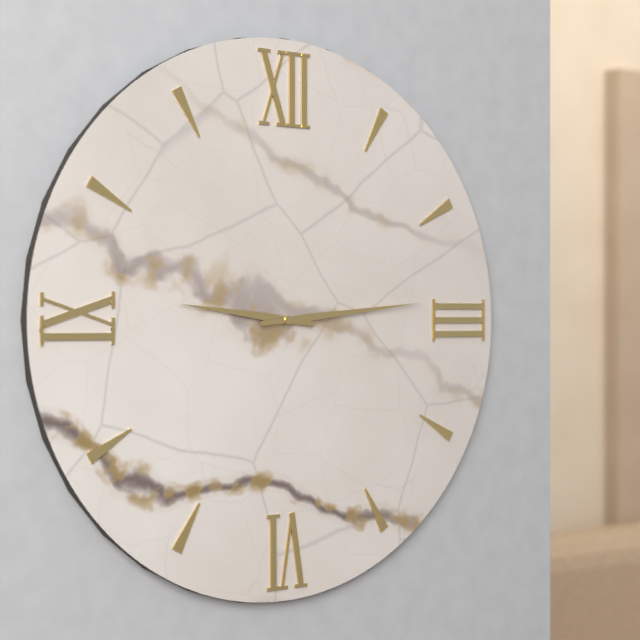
9:14
